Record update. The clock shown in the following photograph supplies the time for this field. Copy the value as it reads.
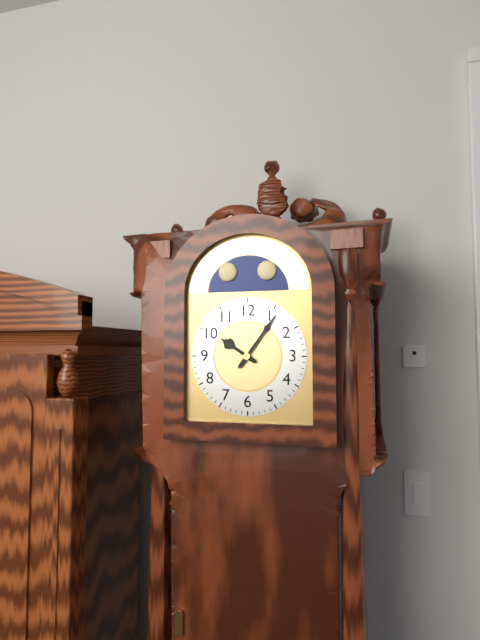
10:06
